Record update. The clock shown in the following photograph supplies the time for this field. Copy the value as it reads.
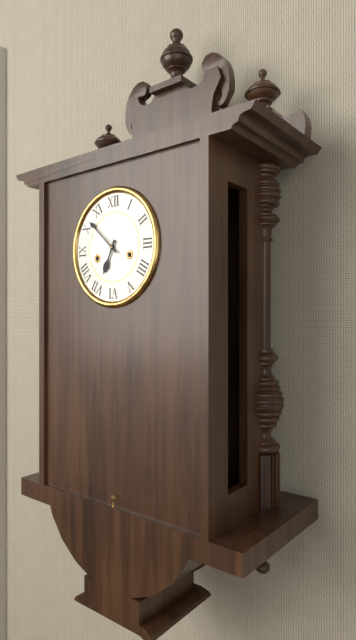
6:52
